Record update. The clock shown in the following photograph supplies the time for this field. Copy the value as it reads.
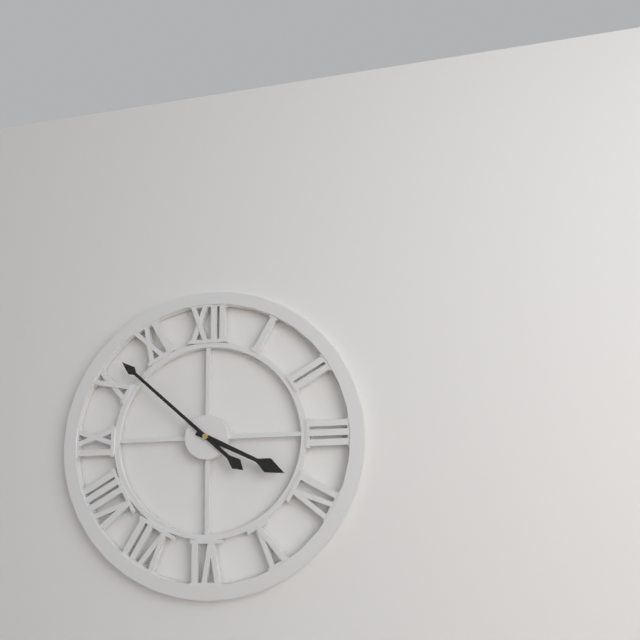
3:52
